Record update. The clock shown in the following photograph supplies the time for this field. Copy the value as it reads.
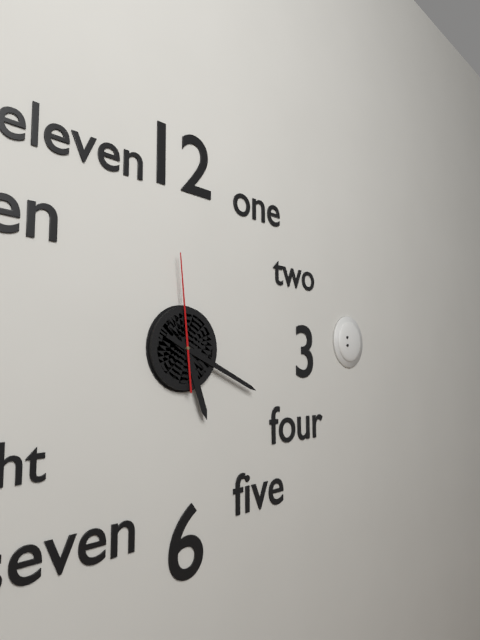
5:19:59
